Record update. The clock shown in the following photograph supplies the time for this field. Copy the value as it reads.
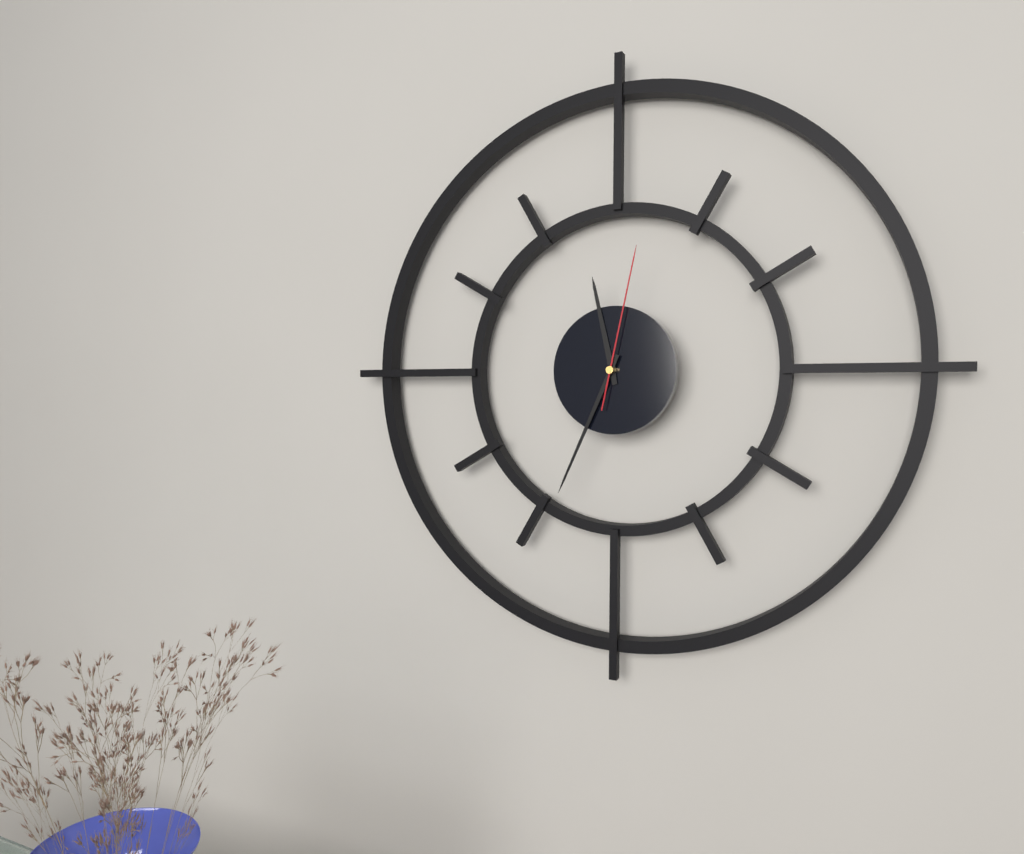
11:34:02
